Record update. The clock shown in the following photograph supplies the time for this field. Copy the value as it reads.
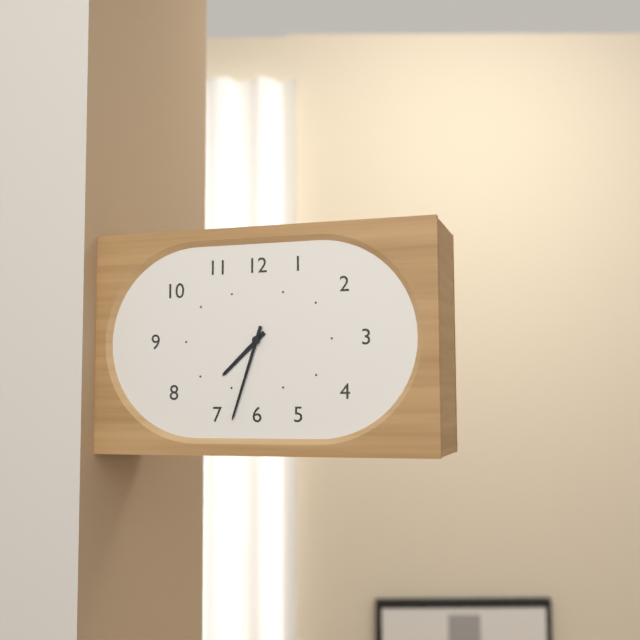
7:33
